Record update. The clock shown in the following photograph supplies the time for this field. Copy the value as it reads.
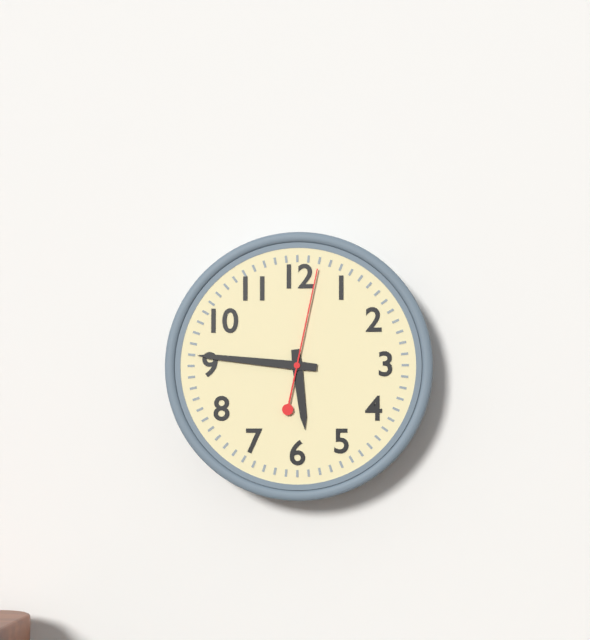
5:46:02
